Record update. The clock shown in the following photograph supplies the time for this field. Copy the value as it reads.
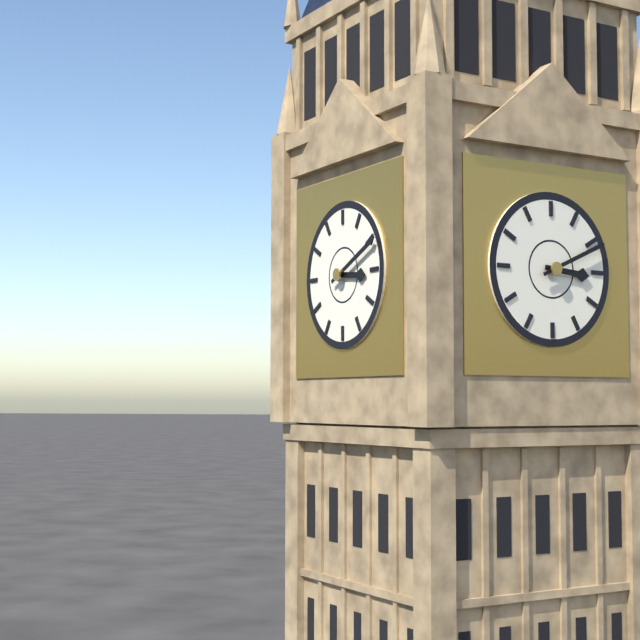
3:11
